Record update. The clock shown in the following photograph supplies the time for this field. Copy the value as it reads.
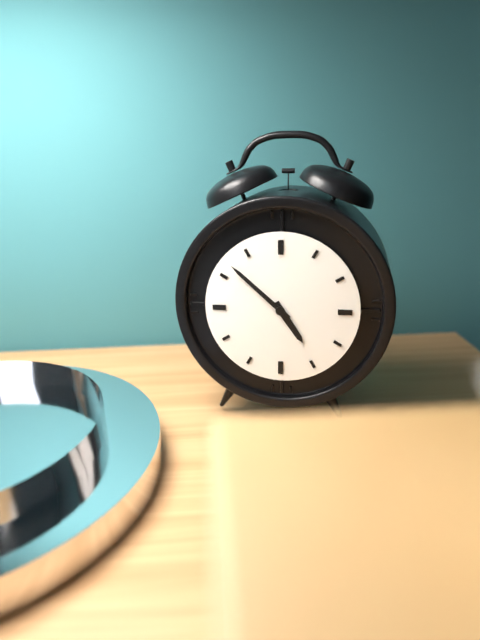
4:52
